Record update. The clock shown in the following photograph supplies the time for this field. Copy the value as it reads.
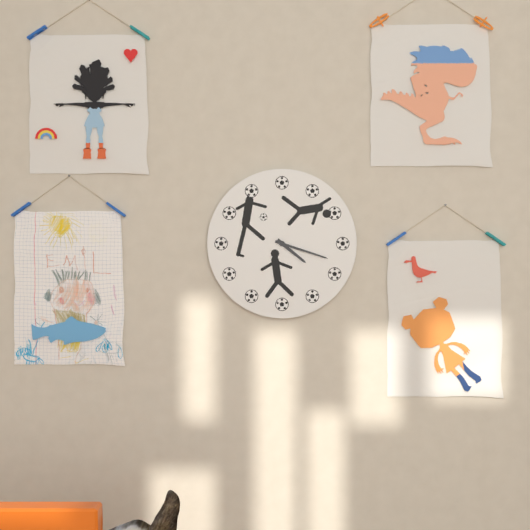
4:18
